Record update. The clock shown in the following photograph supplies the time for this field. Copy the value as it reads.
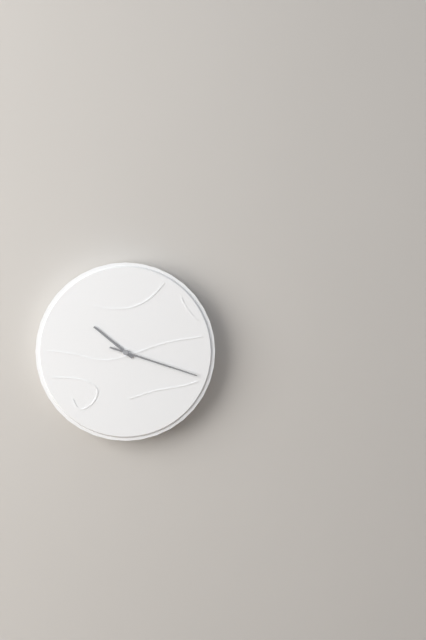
10:18
